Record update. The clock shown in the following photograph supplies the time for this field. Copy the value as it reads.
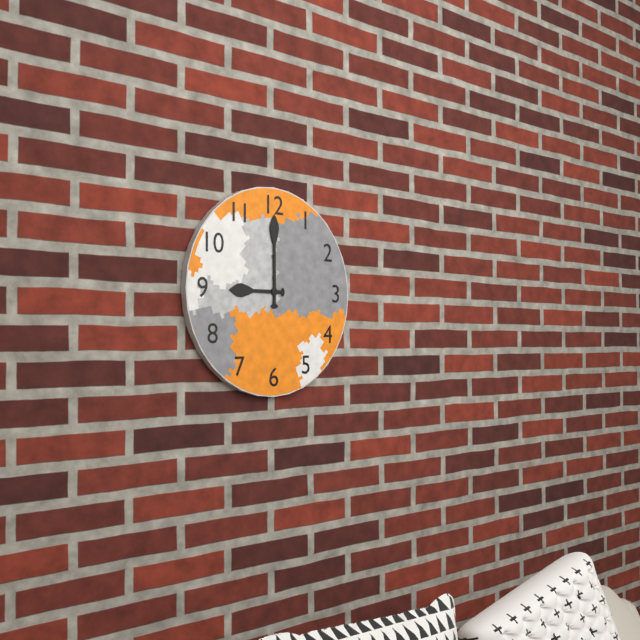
9:00
